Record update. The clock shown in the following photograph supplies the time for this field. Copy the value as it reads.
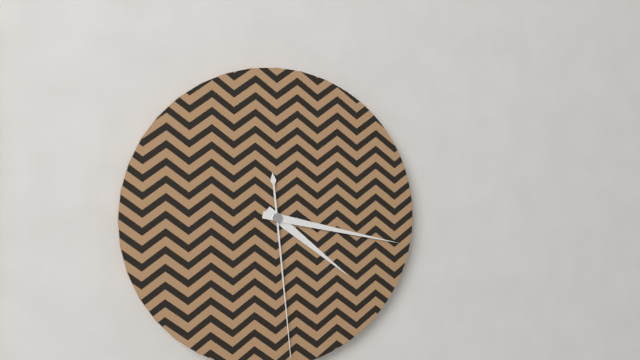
4:17:29
